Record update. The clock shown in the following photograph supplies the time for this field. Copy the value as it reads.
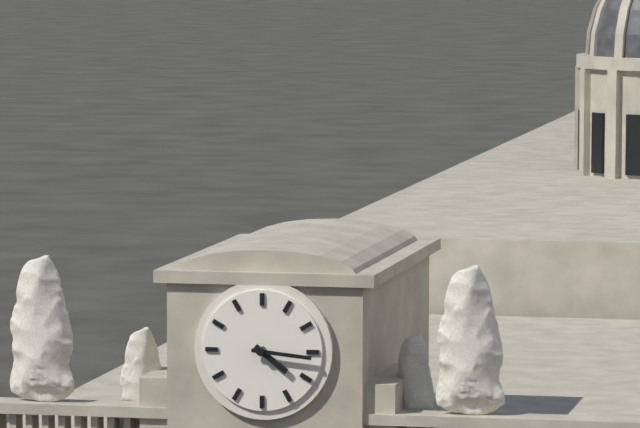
4:16
